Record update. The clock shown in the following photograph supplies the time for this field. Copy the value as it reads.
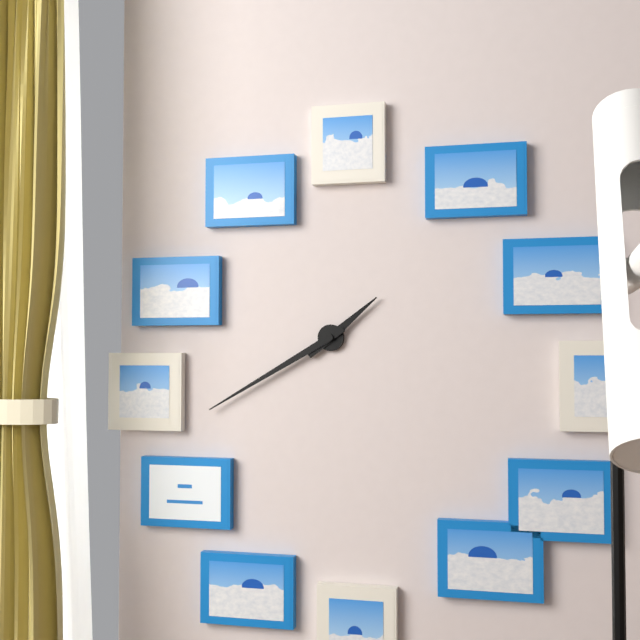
1:40
